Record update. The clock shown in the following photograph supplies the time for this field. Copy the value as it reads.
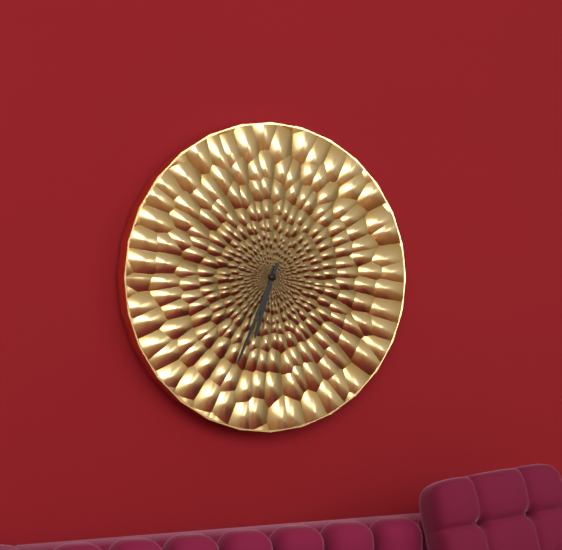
6:34
